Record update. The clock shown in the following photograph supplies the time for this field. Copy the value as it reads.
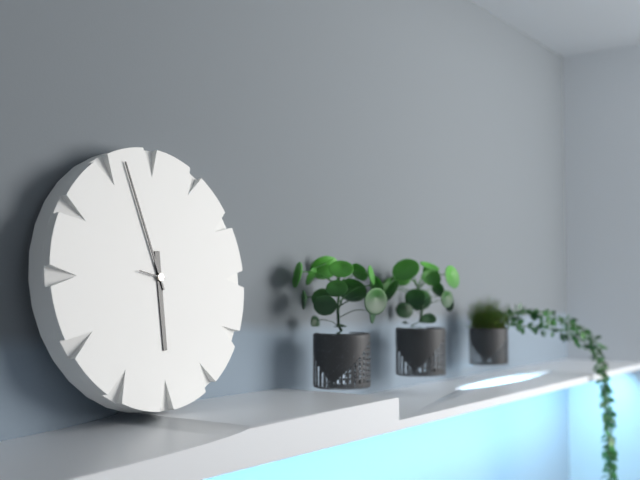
5:57
